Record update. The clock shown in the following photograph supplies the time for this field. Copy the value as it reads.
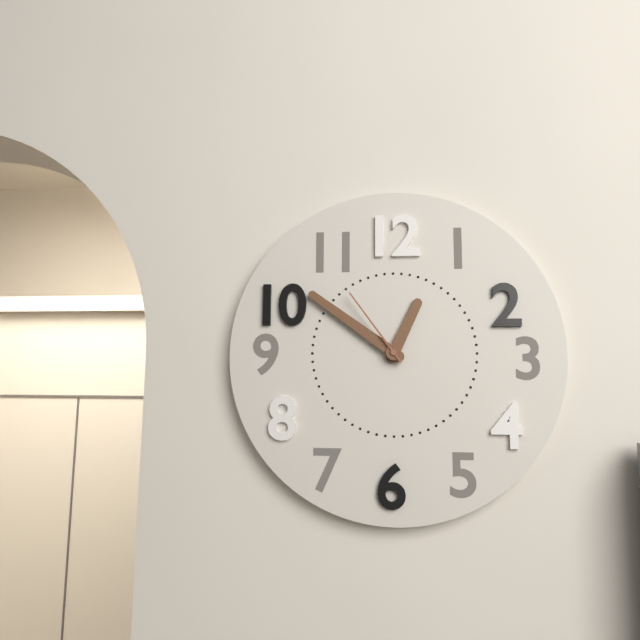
12:51:54
